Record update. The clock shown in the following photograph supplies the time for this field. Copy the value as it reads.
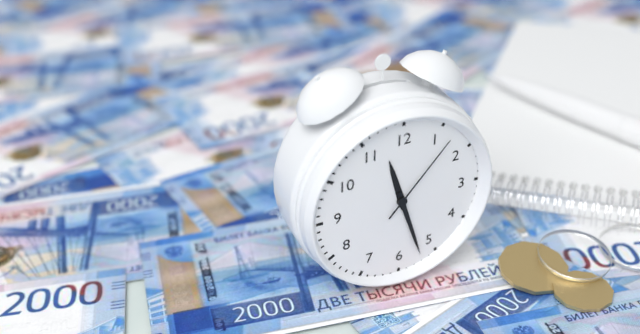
11:27:07
